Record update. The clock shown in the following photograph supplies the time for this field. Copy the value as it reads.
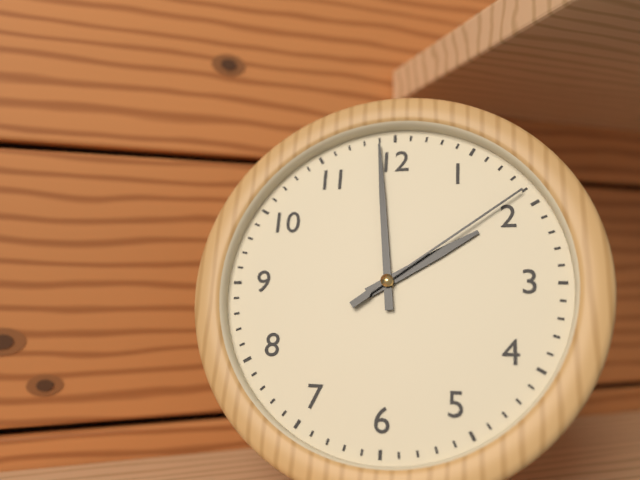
1:59:09
